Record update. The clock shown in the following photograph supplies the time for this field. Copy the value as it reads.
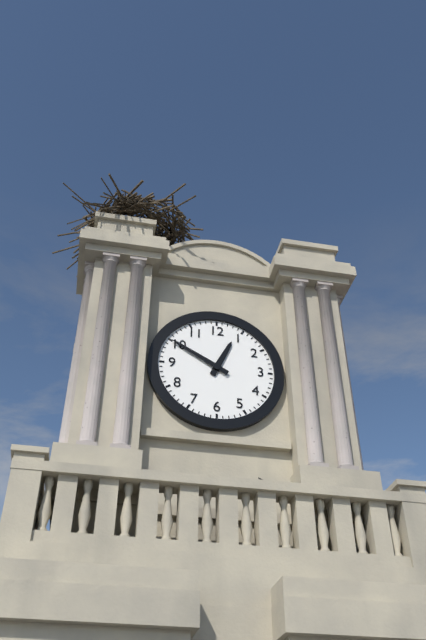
12:50
